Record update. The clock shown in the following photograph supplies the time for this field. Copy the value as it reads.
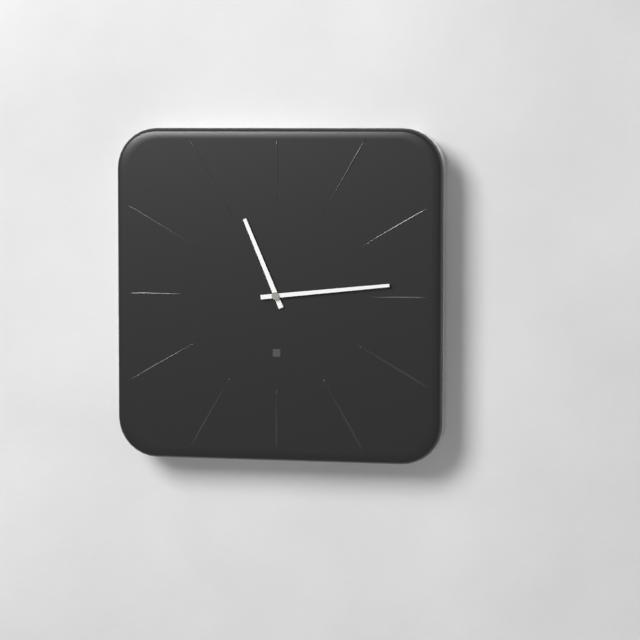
11:14
